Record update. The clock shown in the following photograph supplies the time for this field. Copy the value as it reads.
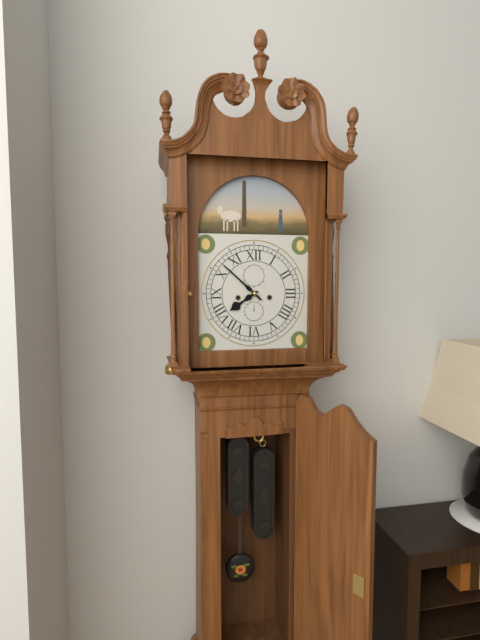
7:52
